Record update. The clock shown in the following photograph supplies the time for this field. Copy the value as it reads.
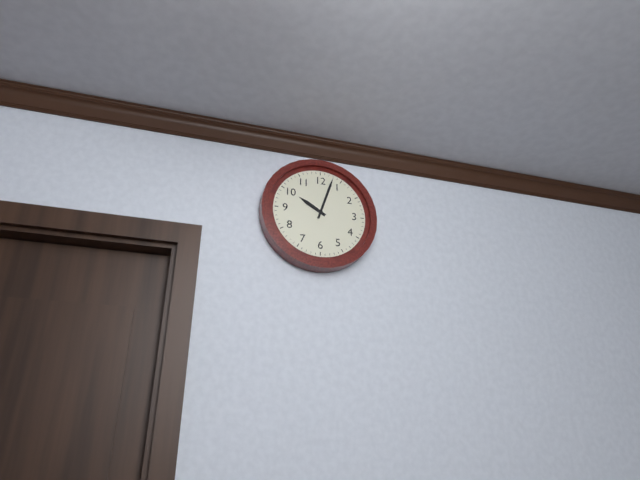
10:03
